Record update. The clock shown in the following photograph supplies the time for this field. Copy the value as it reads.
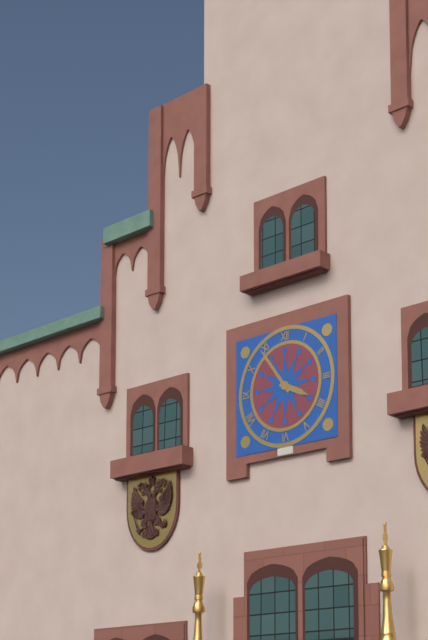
3:54
